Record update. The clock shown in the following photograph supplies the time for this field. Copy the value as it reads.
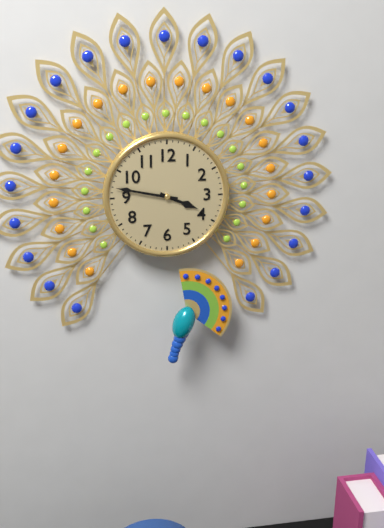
3:47
